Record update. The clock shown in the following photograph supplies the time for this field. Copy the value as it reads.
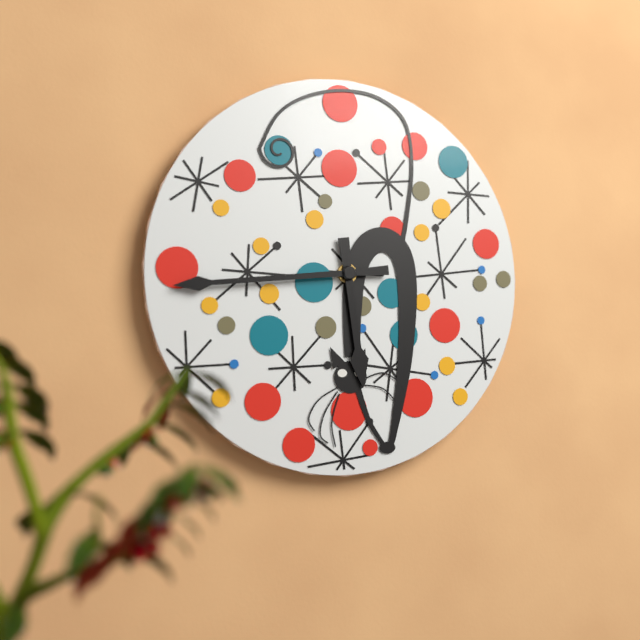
5:44
